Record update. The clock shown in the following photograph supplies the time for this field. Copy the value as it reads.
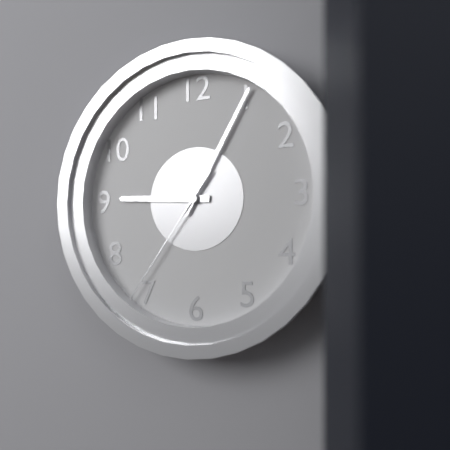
9:05:36
